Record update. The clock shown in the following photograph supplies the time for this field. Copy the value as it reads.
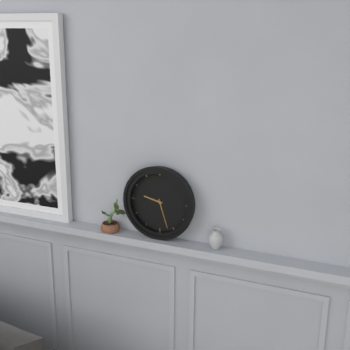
9:27
